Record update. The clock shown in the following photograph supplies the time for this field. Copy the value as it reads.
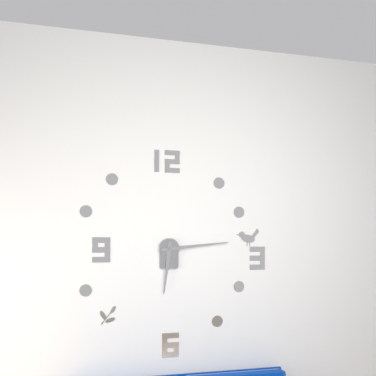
6:14
